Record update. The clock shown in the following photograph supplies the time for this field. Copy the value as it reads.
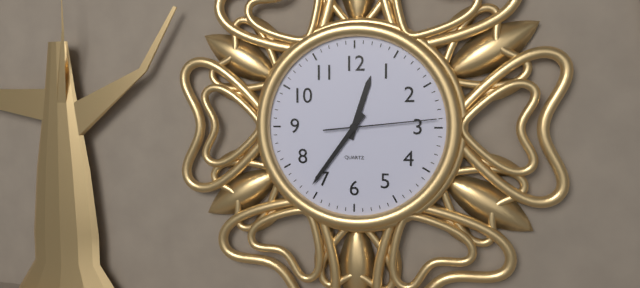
12:36:14
